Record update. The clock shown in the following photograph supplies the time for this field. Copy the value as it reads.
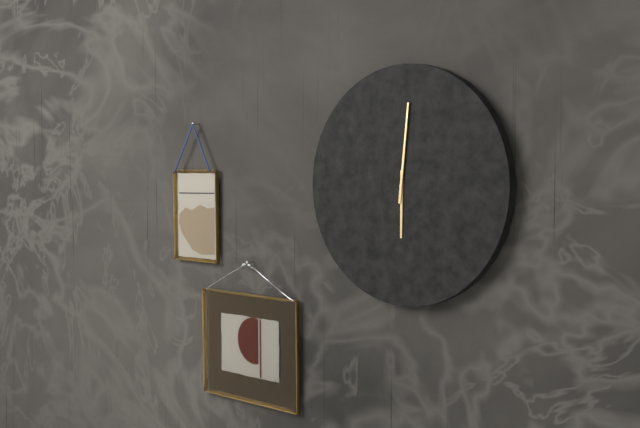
6:01
